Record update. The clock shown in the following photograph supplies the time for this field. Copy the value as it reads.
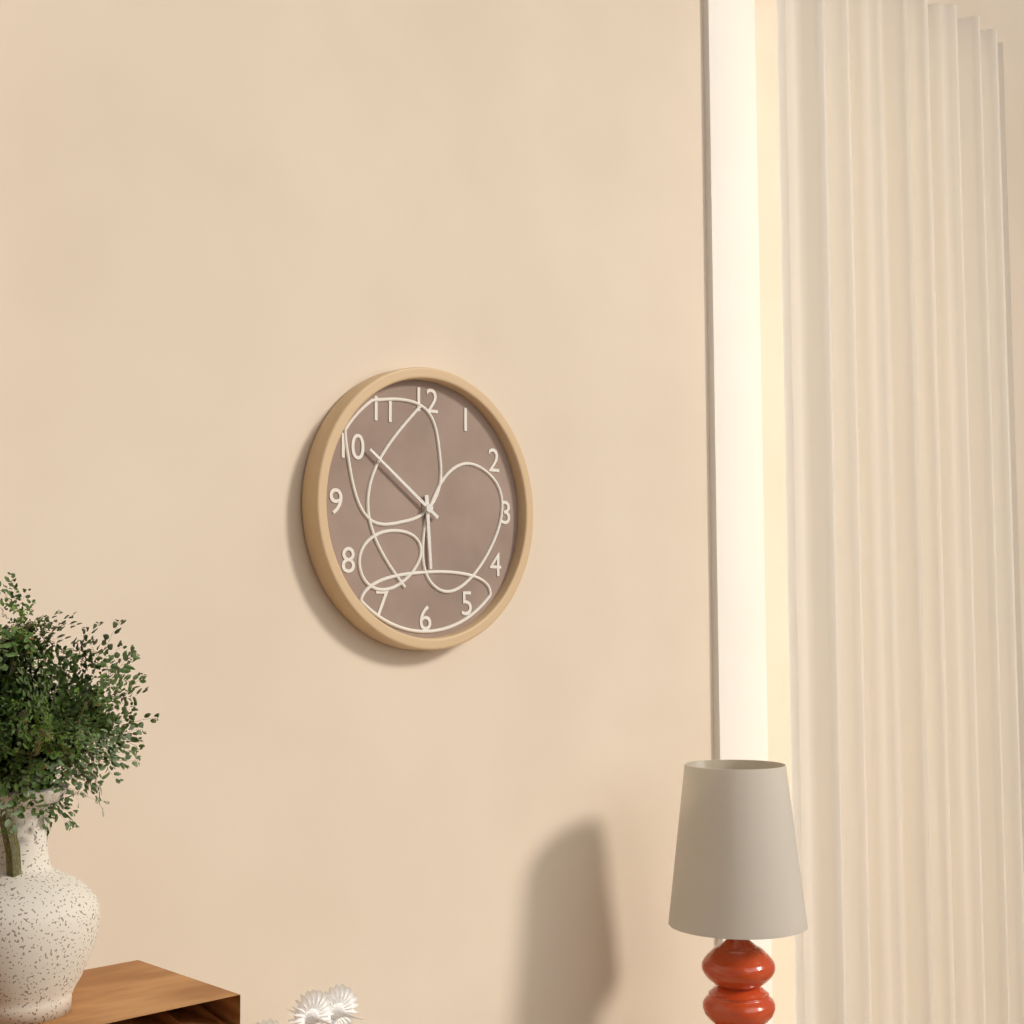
5:51
